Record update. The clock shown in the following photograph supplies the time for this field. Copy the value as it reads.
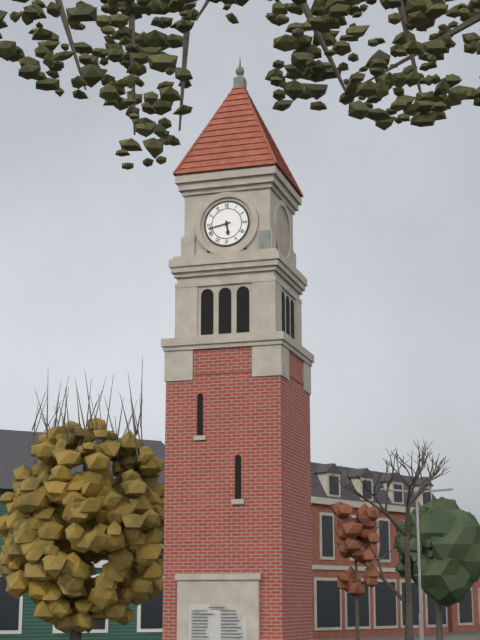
5:43
